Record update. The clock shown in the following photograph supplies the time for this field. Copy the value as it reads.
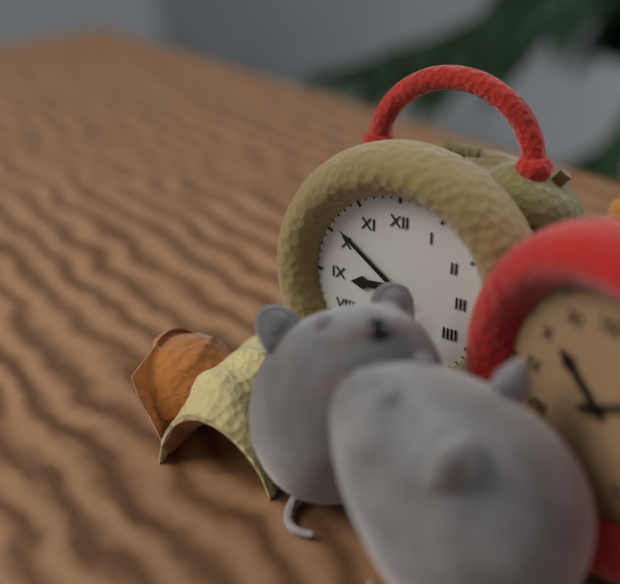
8:51
